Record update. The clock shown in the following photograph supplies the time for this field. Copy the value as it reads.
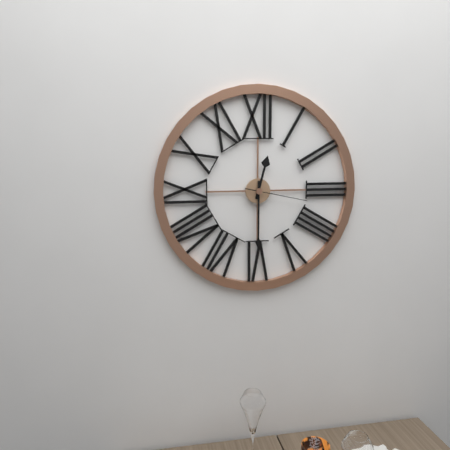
12:30:17
